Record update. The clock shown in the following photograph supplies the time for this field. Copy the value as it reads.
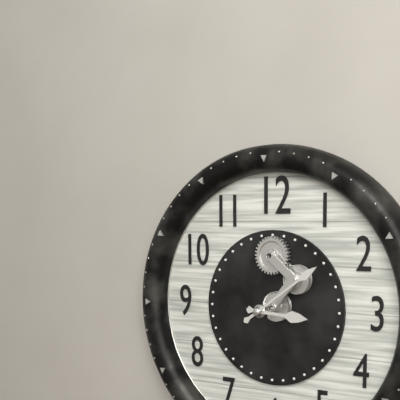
3:09
